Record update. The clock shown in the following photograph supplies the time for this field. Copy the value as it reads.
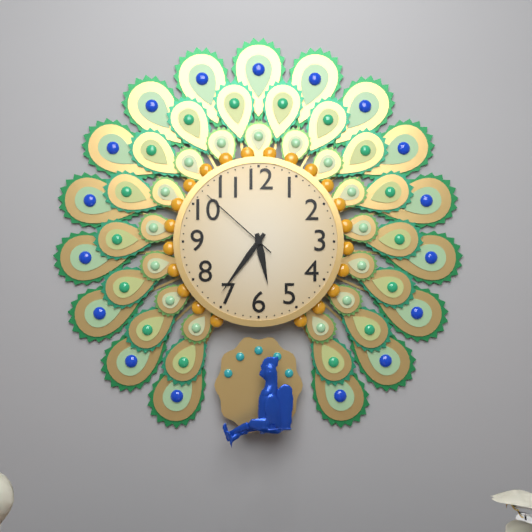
5:36:52
